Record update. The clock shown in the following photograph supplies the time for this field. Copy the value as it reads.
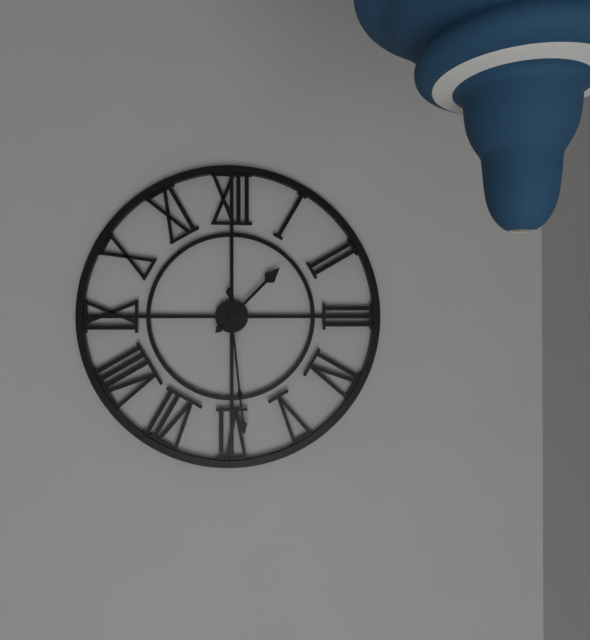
1:29
